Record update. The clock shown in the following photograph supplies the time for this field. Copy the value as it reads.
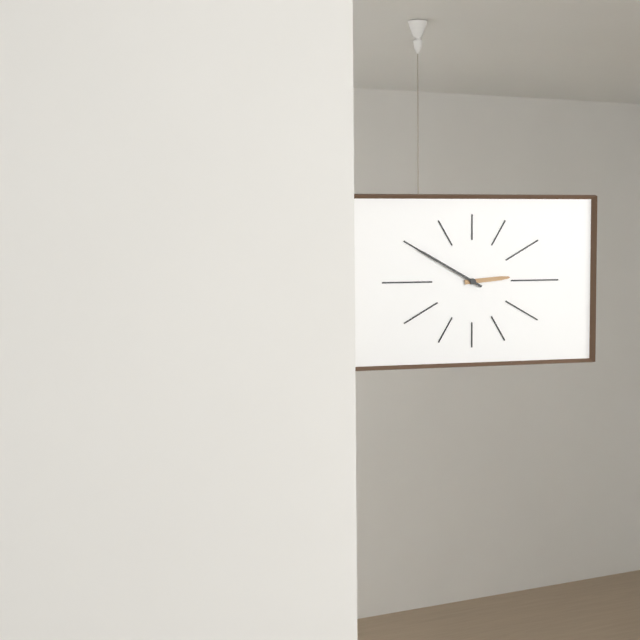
2:50
